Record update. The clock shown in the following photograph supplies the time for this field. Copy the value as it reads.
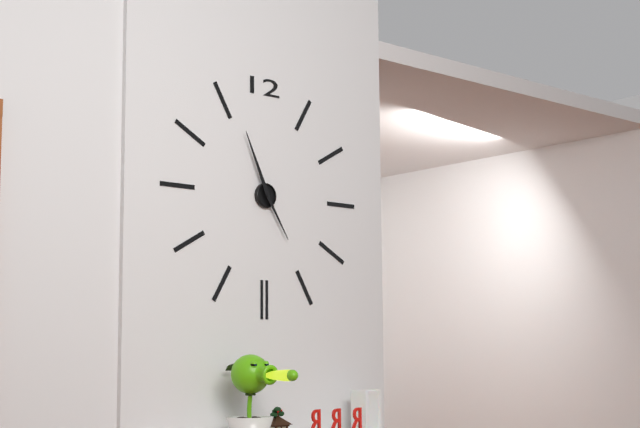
4:56
